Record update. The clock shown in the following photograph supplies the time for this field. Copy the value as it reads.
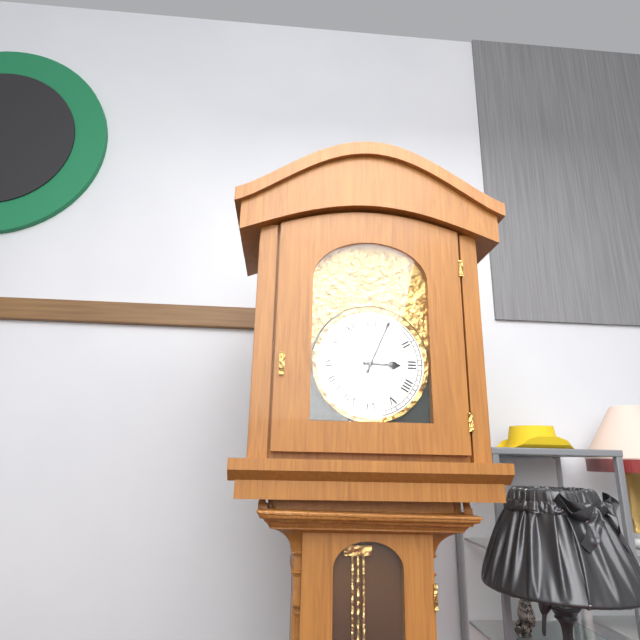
3:04
